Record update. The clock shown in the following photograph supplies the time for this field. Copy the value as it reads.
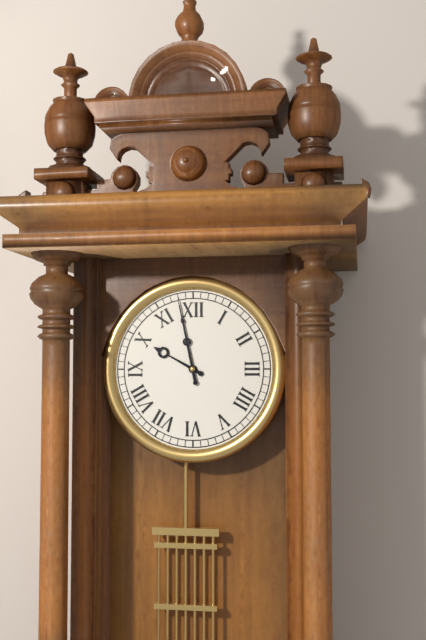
9:58
